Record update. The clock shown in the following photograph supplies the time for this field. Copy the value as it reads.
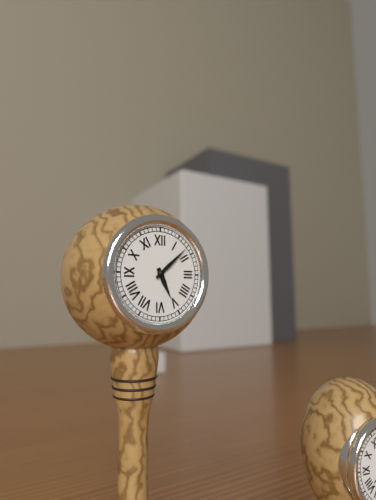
5:08
